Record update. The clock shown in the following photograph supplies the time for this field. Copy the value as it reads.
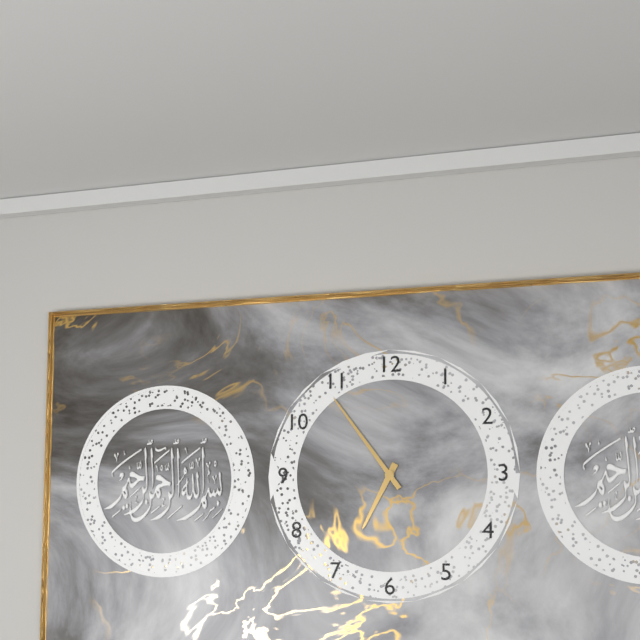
6:54
